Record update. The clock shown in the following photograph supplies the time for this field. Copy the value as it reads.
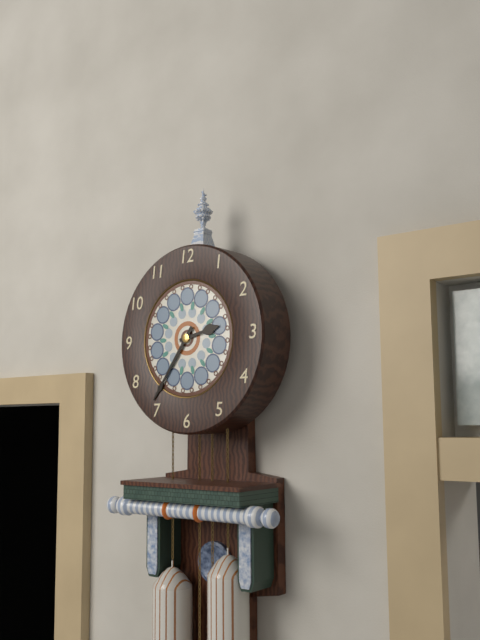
2:36
